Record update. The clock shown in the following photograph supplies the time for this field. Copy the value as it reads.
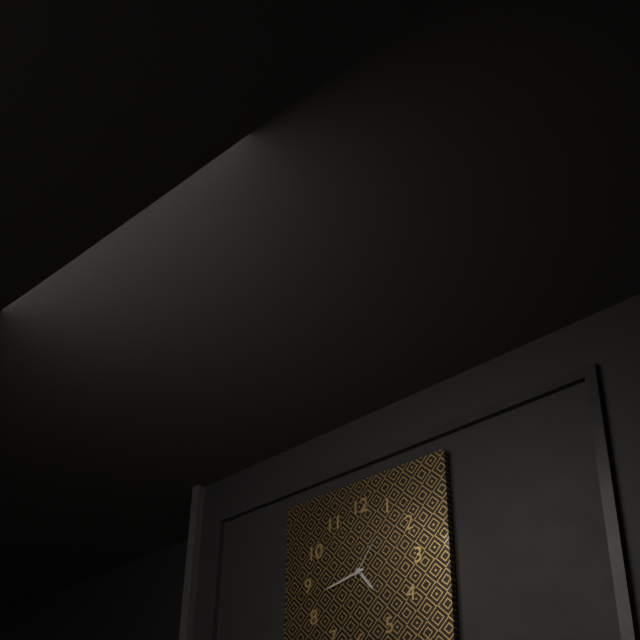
4:43
